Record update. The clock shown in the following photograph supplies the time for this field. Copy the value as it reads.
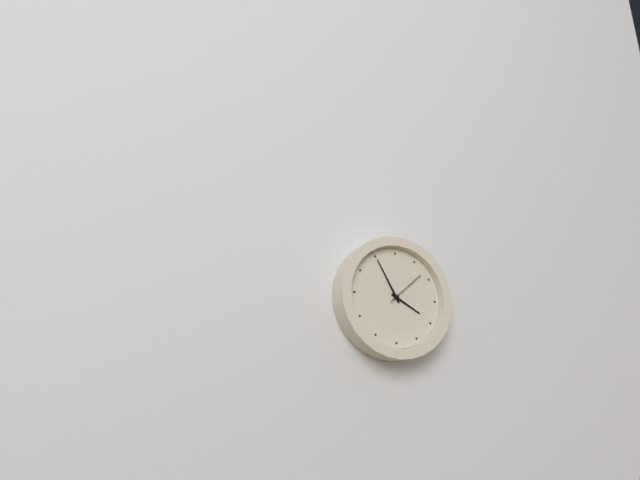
3:55
